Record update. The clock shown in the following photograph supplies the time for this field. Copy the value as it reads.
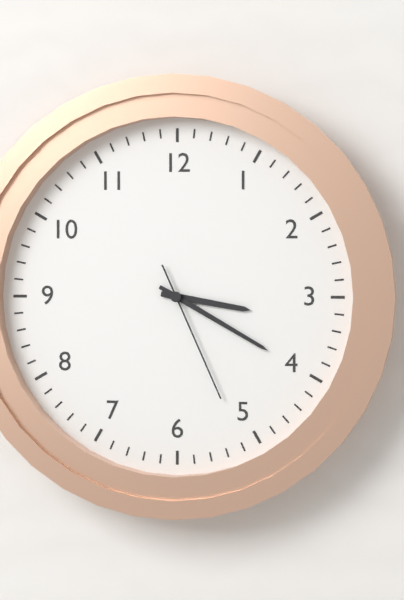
3:20:26
